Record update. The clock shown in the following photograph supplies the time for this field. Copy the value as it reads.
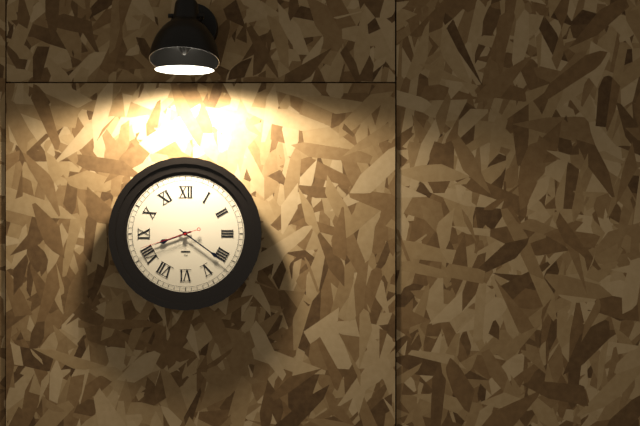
8:21:42
